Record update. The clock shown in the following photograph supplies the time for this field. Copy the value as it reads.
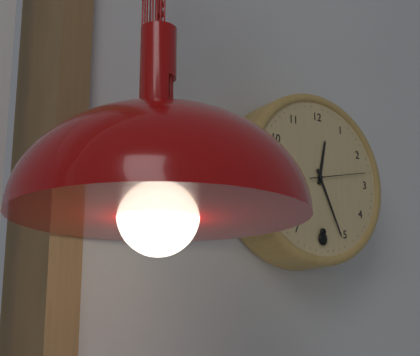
12:26:13
